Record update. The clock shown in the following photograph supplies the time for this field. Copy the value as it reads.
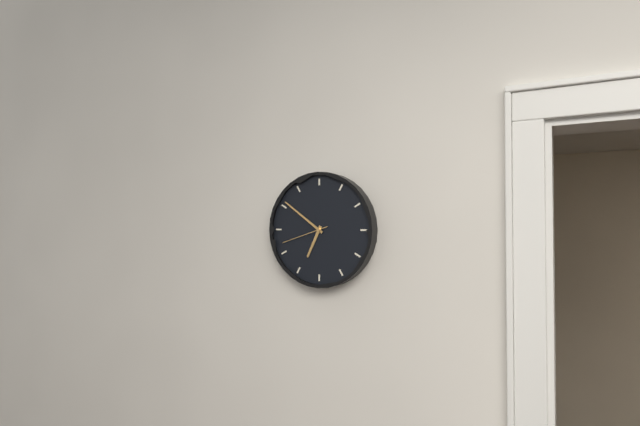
6:51:42
